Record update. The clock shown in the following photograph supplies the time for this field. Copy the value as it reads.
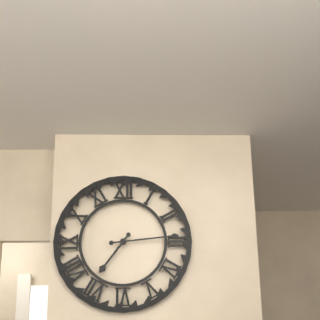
7:14
